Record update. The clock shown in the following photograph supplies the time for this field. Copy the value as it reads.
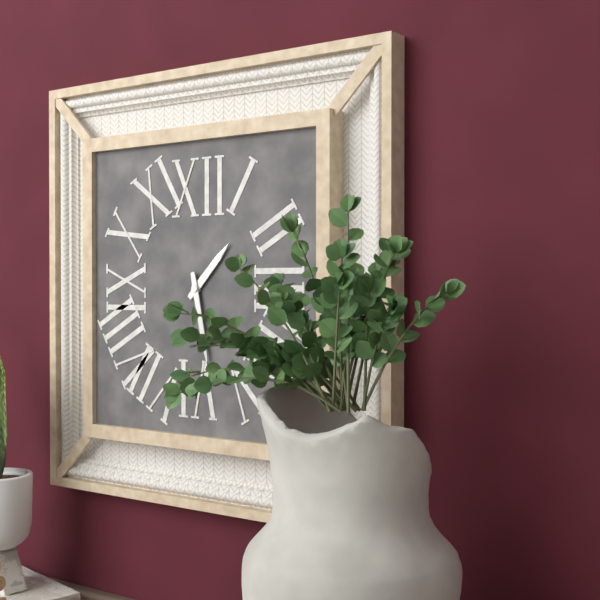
1:28
